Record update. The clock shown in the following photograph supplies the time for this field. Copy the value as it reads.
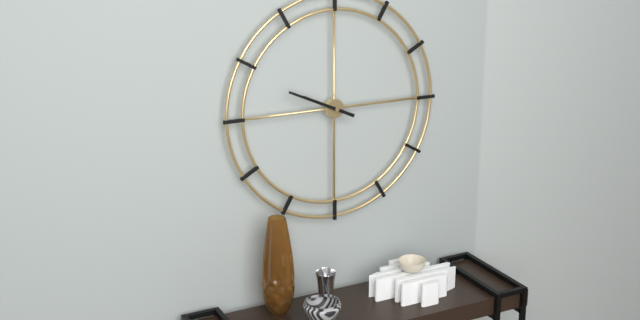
9:49
